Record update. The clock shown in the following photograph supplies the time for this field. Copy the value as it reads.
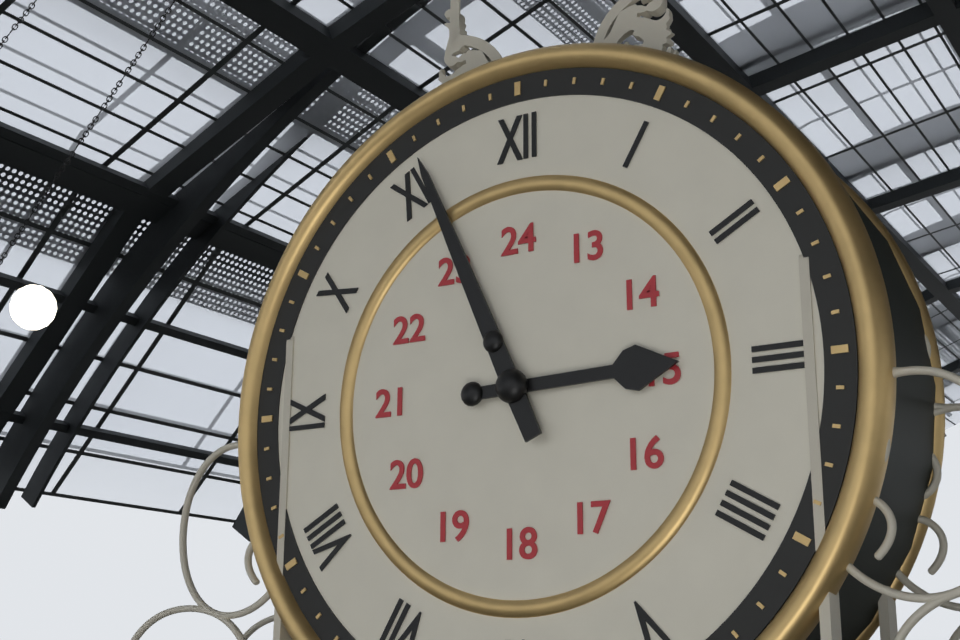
2:56
